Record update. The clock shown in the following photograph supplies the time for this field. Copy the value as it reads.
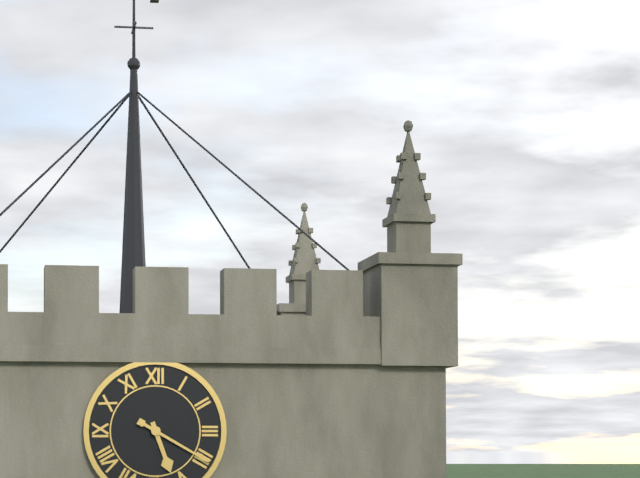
5:20
